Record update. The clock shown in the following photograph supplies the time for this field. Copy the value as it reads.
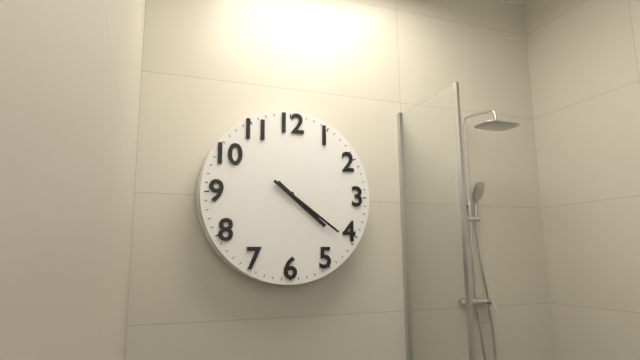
4:21
